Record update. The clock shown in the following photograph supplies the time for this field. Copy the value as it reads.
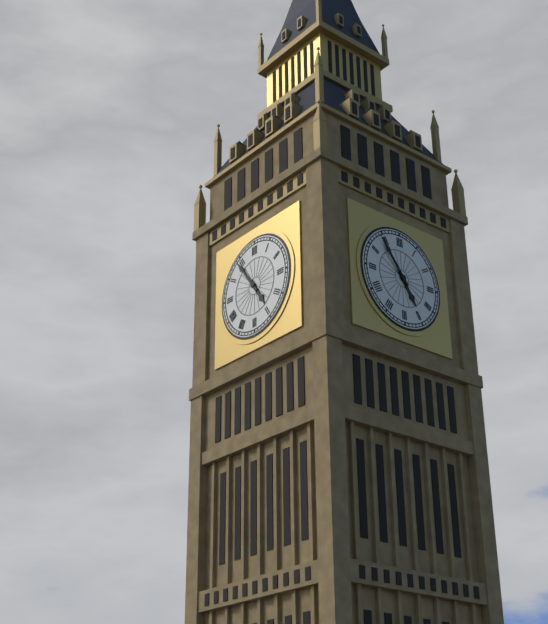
4:54
